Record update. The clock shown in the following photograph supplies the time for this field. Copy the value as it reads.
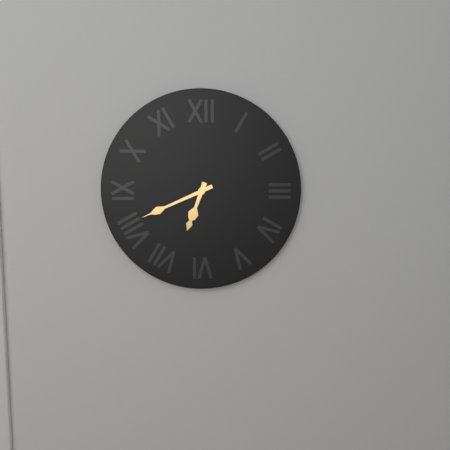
6:41
